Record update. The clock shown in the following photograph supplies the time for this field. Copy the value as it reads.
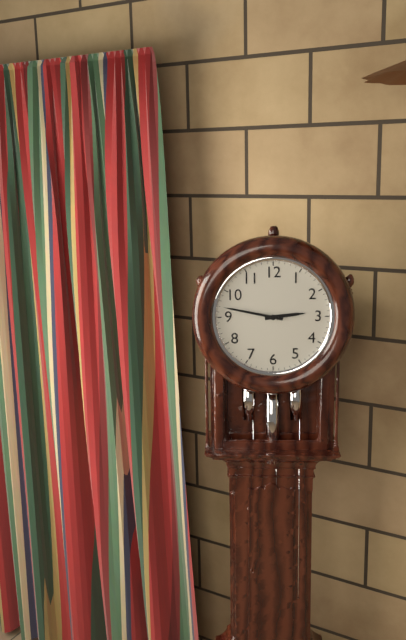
2:47
